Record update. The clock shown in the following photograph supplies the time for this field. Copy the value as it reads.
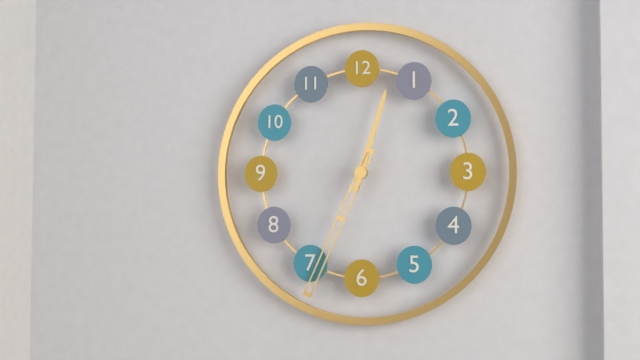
12:34
